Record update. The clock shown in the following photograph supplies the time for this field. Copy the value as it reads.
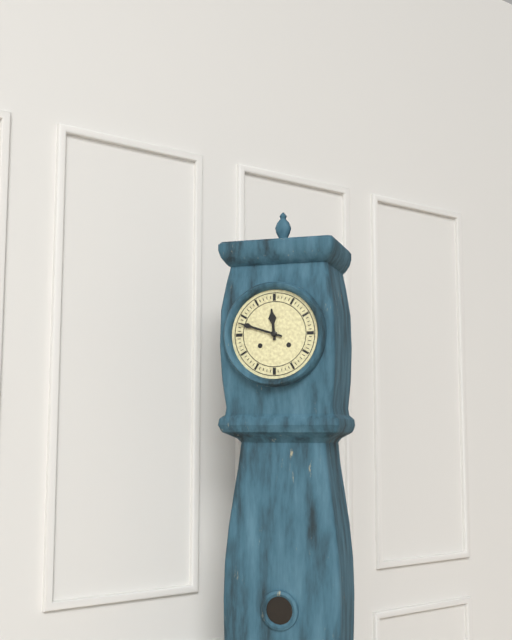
11:48
